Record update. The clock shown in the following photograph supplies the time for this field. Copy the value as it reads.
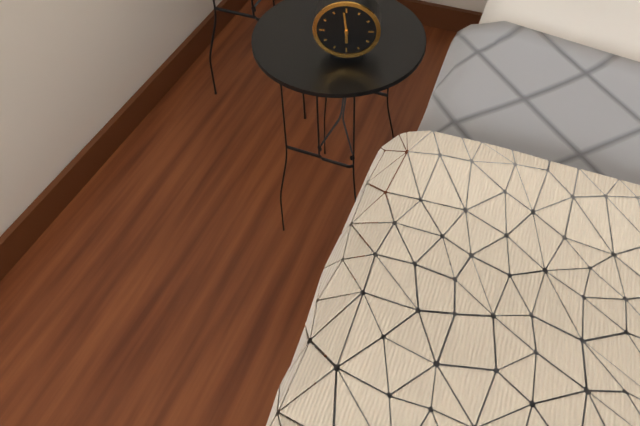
5:59
